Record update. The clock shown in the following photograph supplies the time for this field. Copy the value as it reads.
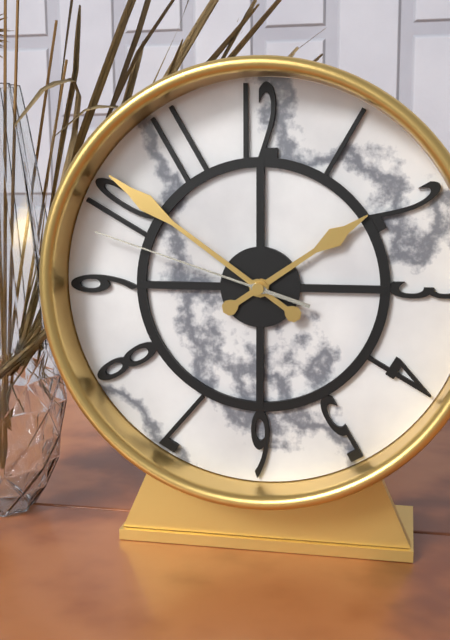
1:51:48
